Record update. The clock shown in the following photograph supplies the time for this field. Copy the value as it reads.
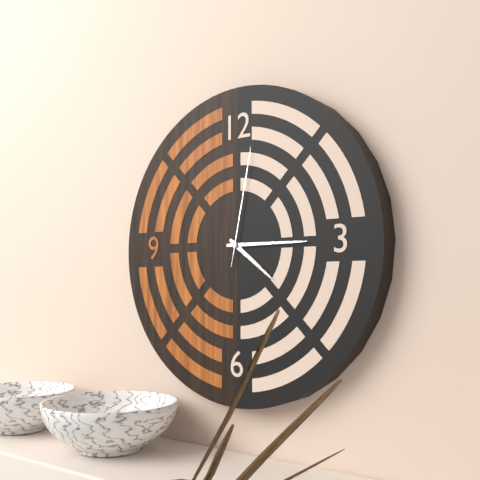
4:15:02
